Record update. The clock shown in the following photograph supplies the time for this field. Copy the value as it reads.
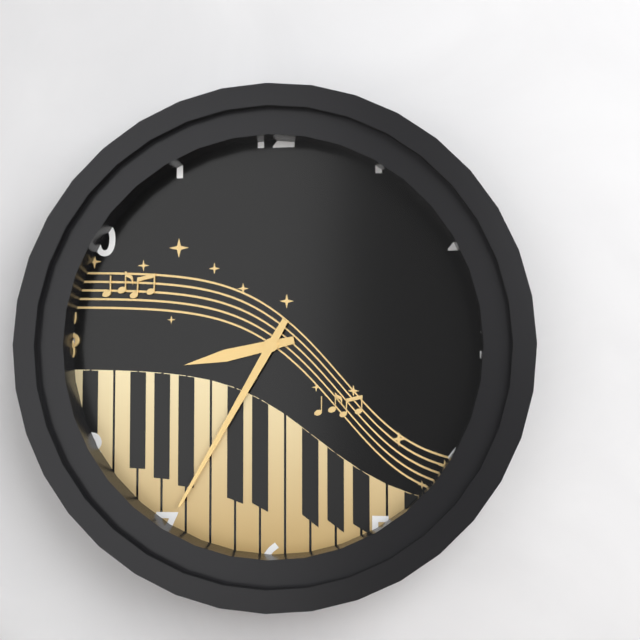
8:35
